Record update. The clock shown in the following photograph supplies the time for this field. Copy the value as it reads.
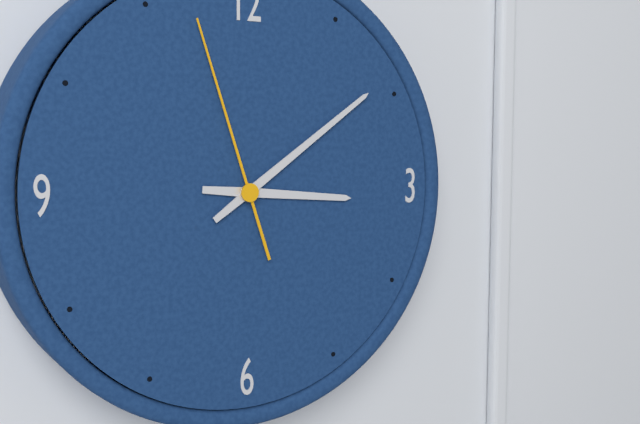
3:09:57
